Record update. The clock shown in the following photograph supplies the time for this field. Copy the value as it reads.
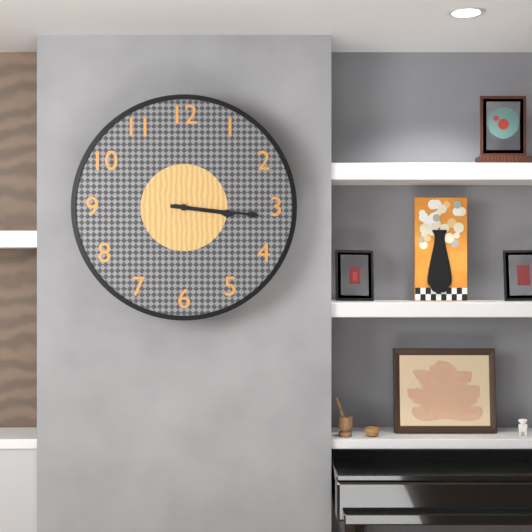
3:16
